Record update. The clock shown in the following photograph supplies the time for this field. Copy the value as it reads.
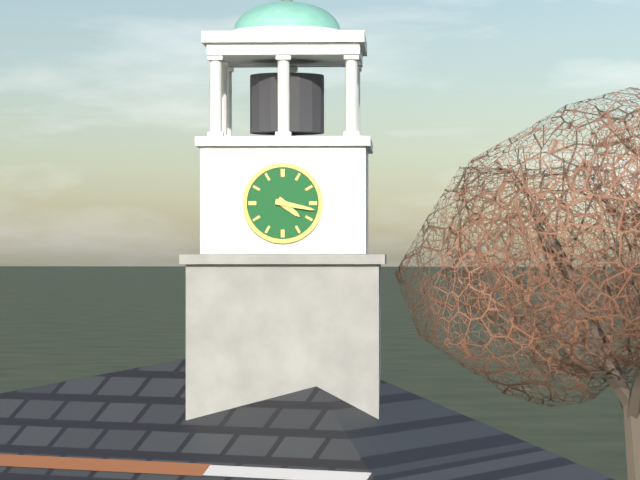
4:17
